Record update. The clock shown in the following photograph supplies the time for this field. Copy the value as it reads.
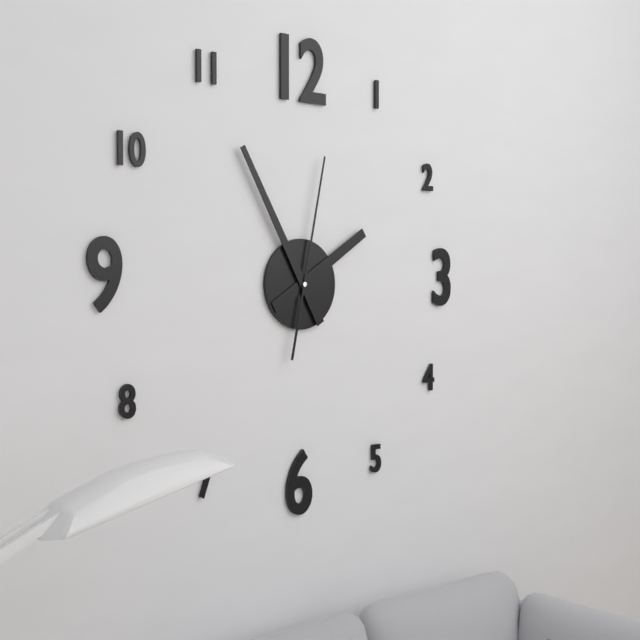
1:55:02
